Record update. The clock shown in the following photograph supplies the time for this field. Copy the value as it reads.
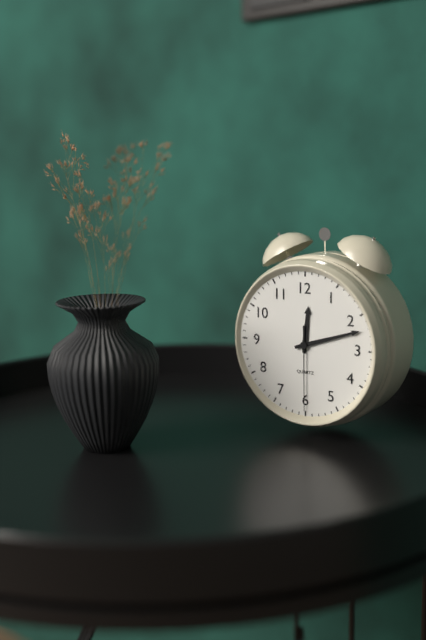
12:12:30
